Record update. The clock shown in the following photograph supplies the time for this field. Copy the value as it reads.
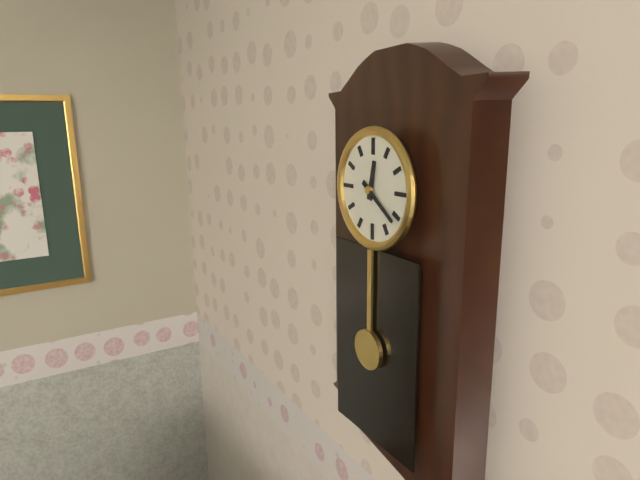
12:21
